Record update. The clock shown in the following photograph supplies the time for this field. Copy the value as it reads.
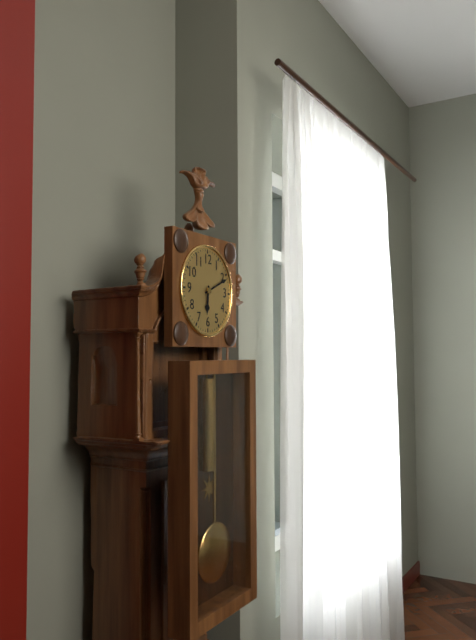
6:11
